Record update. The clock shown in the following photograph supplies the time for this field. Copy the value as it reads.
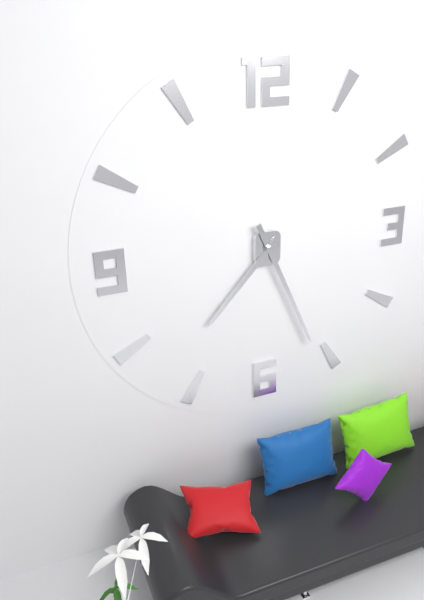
7:26
